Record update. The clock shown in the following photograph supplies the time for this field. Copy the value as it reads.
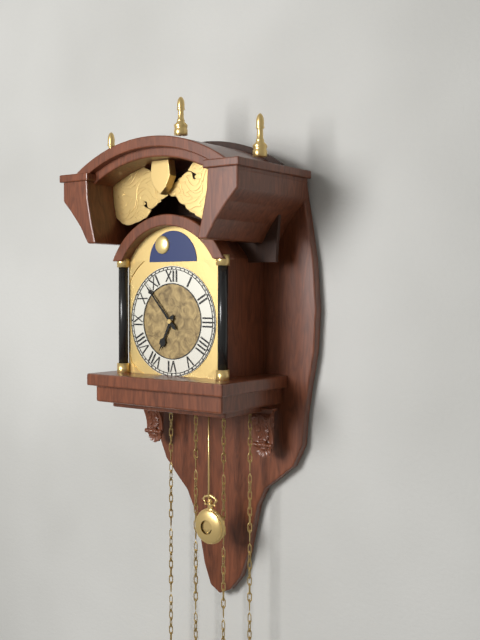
6:53
